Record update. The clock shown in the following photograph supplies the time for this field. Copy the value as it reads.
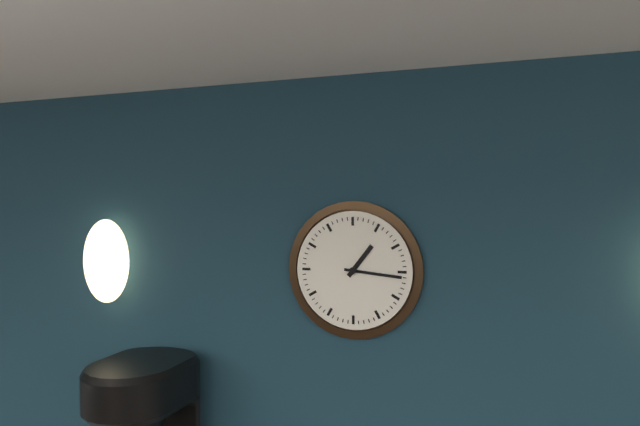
1:16
